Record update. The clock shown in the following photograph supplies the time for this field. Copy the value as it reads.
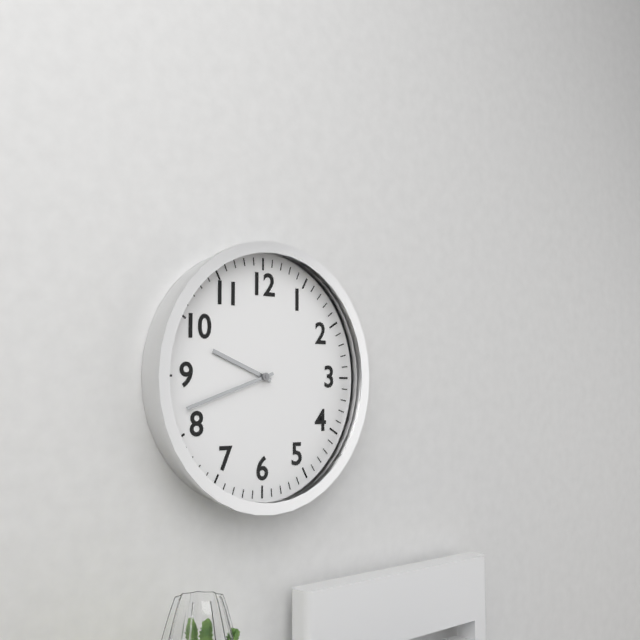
9:42
